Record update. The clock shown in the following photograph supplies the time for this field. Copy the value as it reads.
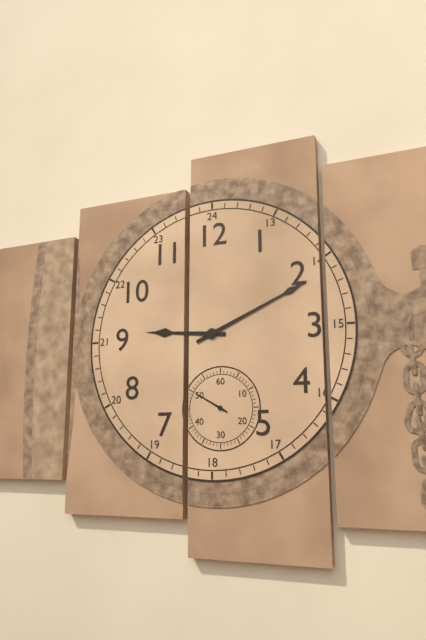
9:11
